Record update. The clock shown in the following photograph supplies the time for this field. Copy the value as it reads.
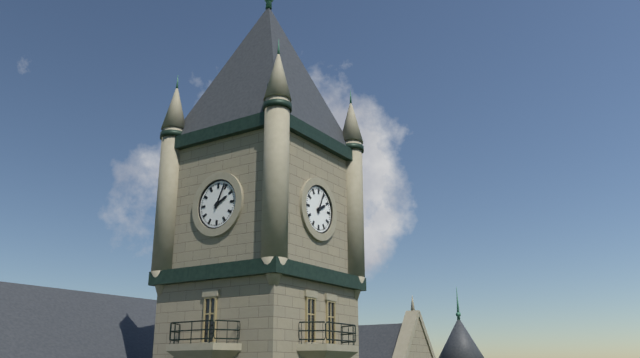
2:04
